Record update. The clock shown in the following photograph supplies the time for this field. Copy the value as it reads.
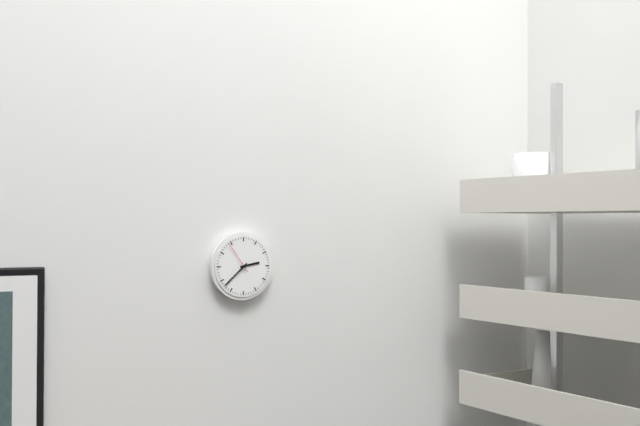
2:38
